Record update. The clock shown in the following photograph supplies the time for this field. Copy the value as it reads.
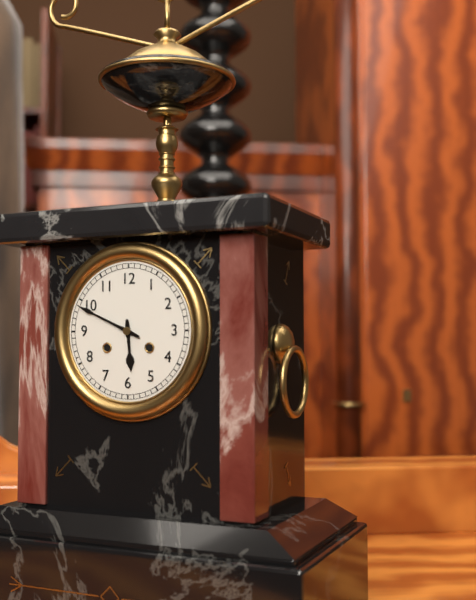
5:49
